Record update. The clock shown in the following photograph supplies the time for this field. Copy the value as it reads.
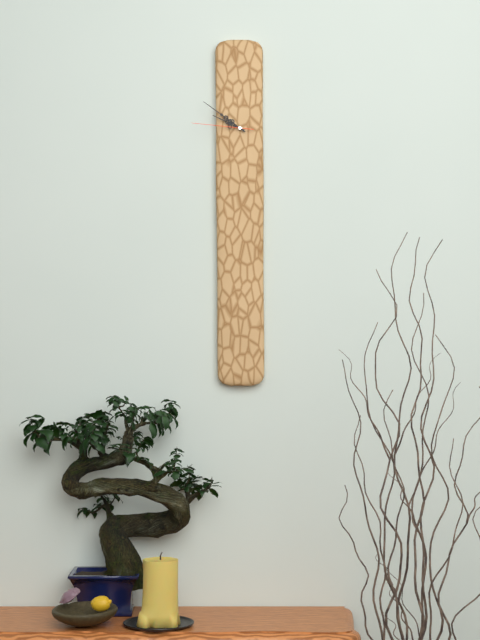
9:51:46
